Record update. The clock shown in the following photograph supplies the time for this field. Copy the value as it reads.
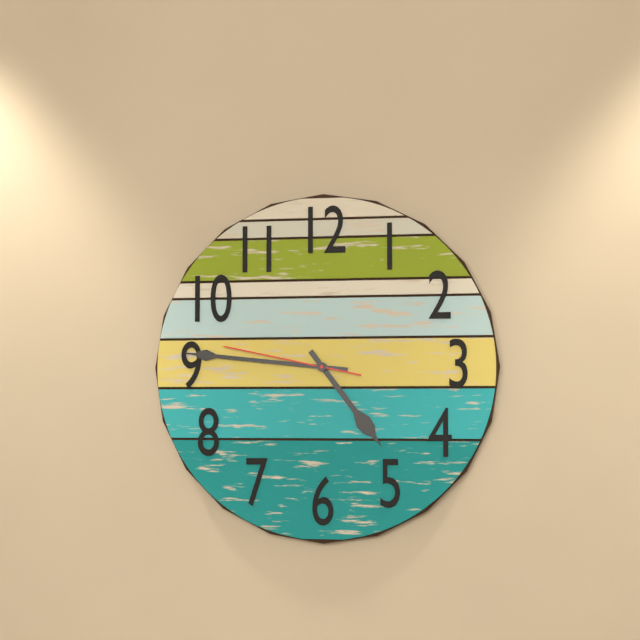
4:46:47
